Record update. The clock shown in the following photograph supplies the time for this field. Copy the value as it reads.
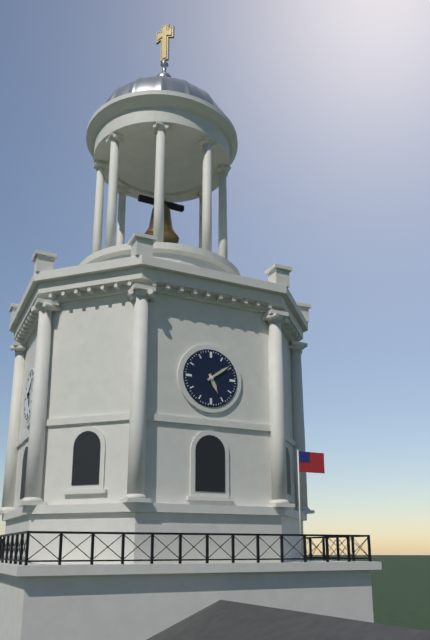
5:09
